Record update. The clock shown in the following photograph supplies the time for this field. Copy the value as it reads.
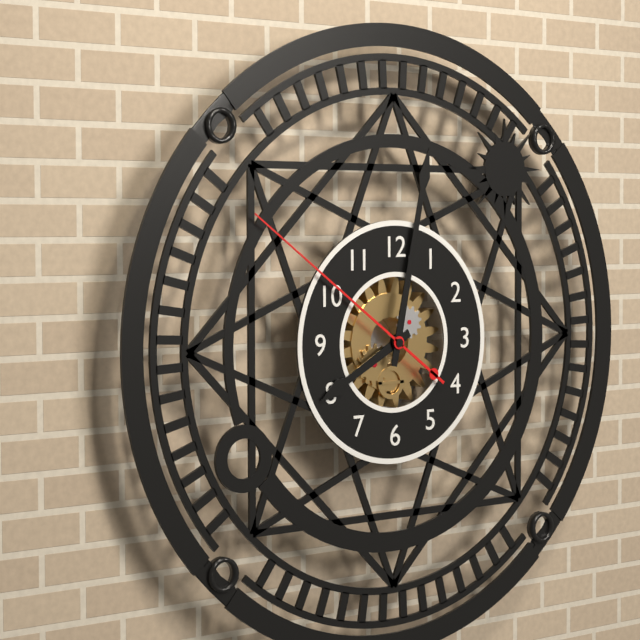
8:02:51
